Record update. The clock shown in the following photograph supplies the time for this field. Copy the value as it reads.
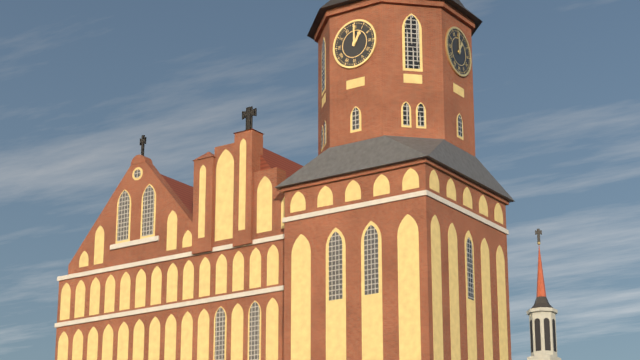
1:00
